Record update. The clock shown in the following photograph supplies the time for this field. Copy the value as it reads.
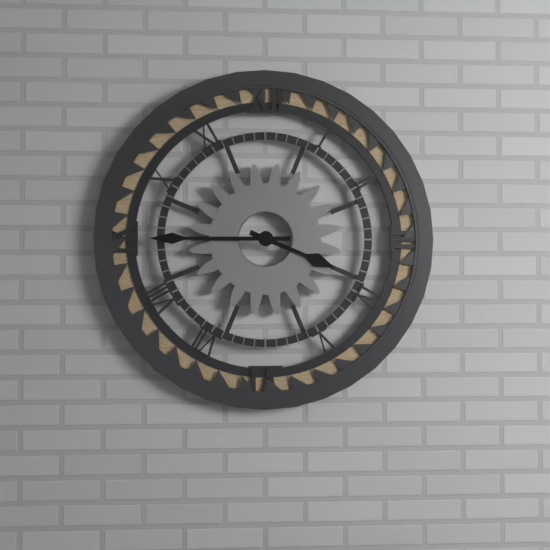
3:45
